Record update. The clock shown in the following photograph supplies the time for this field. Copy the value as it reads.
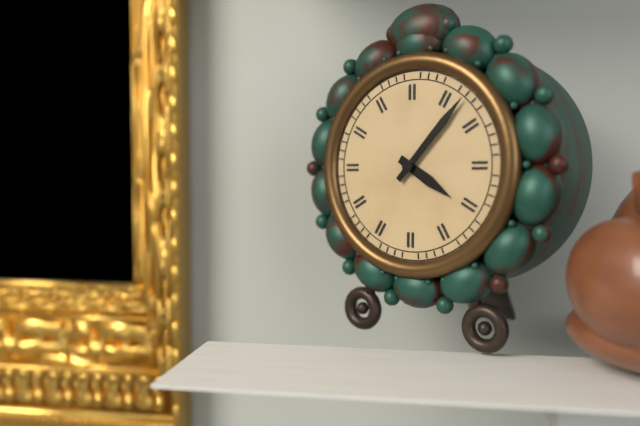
4:07
